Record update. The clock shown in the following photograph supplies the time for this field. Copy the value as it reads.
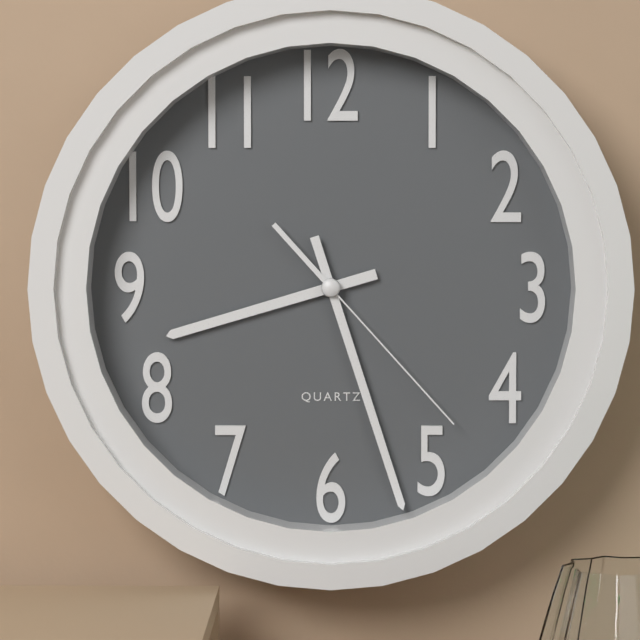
8:27:23
